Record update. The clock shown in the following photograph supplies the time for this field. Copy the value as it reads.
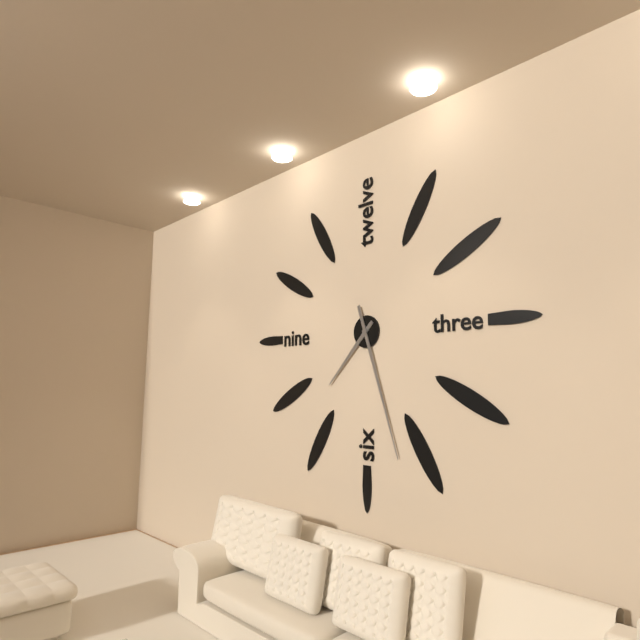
7:27
